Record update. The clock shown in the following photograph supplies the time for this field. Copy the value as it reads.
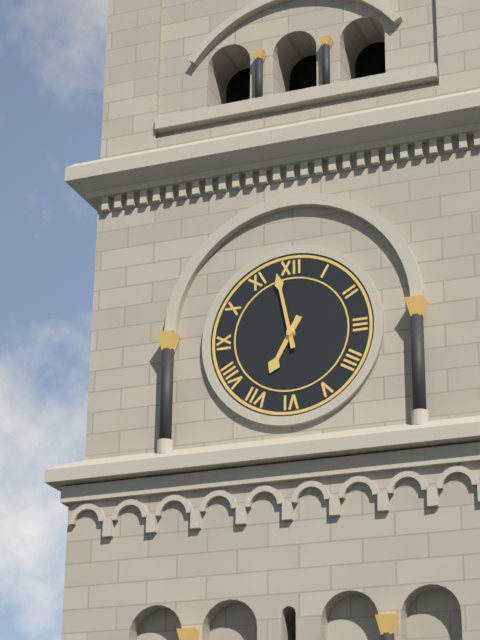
6:58
